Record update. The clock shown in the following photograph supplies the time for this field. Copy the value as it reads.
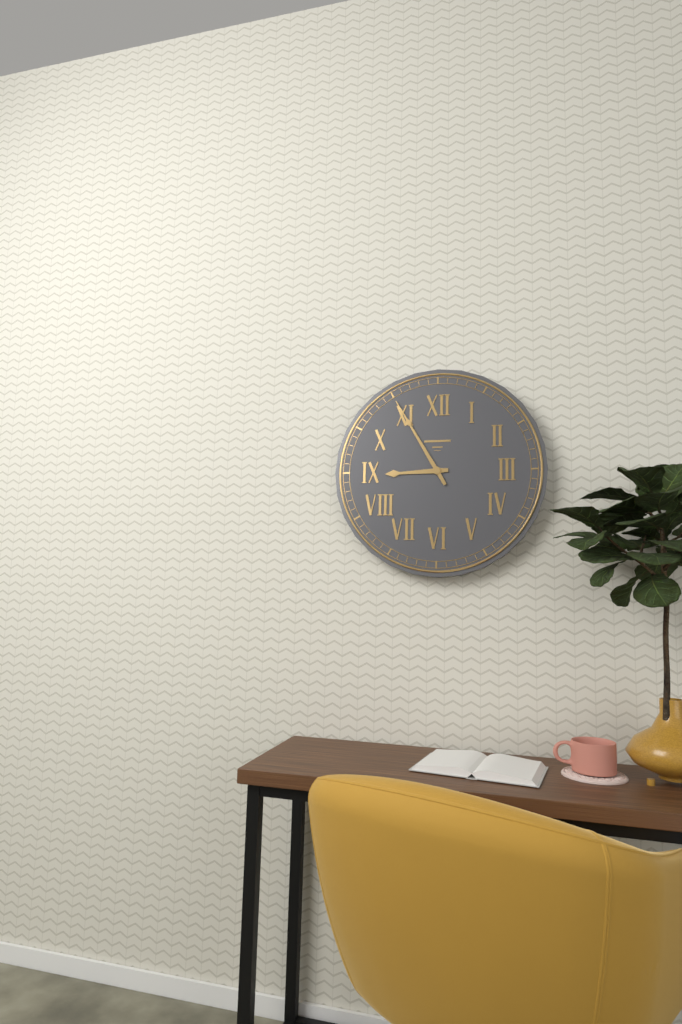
8:55
